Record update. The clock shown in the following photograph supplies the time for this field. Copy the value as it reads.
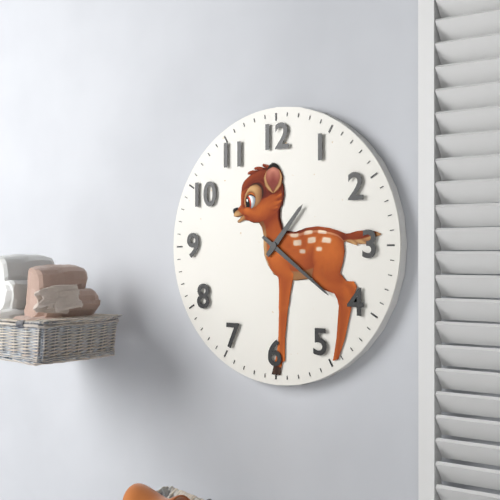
1:21
